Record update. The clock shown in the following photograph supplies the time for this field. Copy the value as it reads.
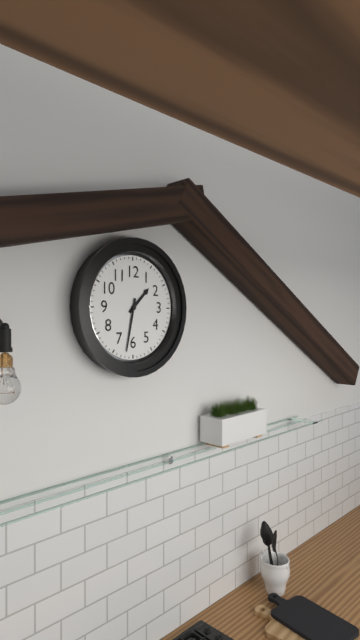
1:32
